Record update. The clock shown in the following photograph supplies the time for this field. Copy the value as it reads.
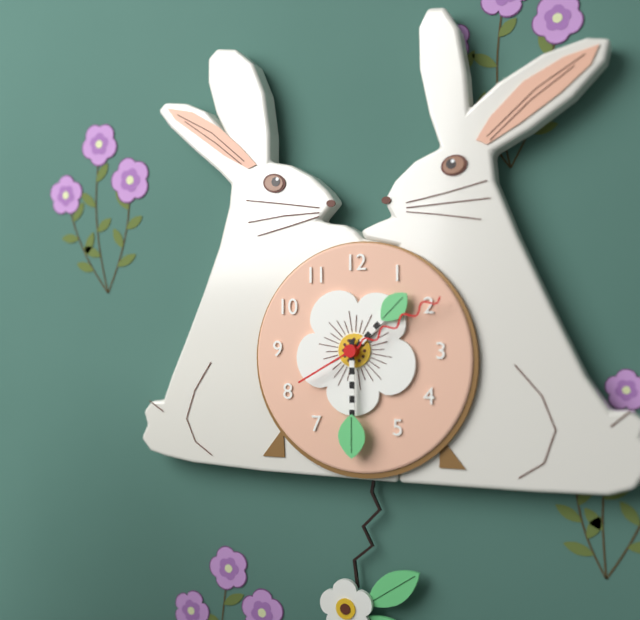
1:30:10
